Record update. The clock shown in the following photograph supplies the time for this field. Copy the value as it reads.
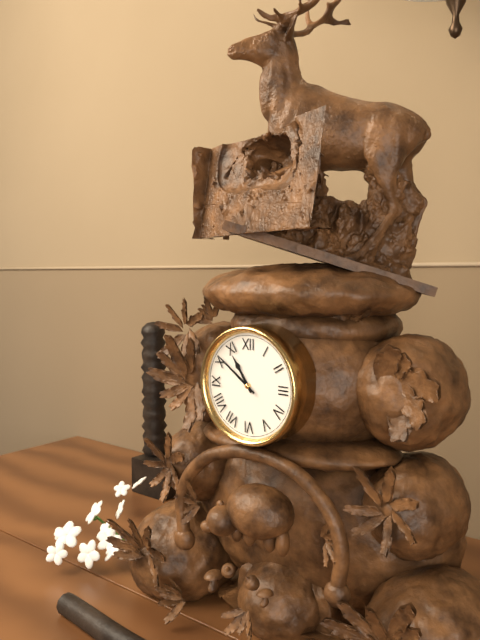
10:51
